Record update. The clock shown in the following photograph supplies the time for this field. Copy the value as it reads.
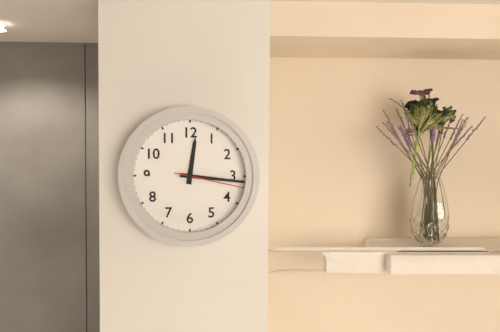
12:16:17
